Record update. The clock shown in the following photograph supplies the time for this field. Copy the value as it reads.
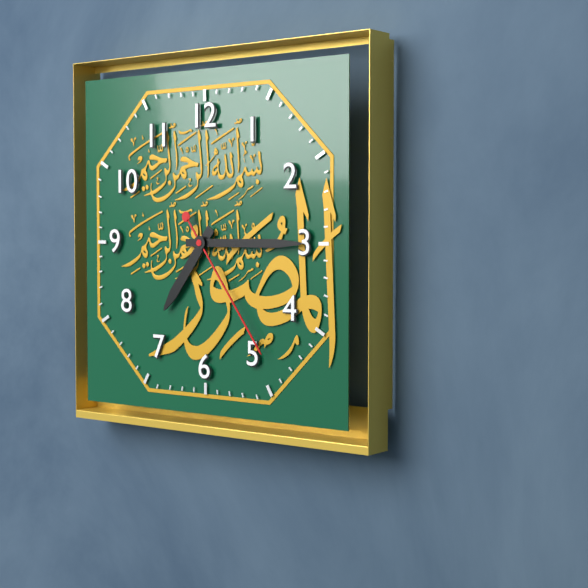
7:15:24
